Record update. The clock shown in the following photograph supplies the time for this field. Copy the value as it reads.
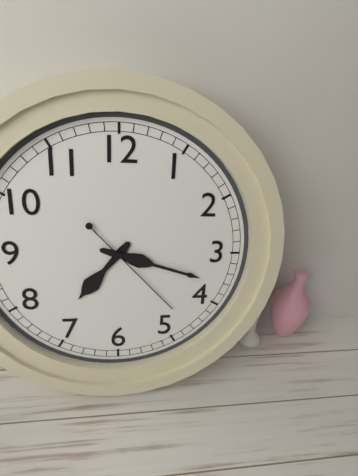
7:18:23
